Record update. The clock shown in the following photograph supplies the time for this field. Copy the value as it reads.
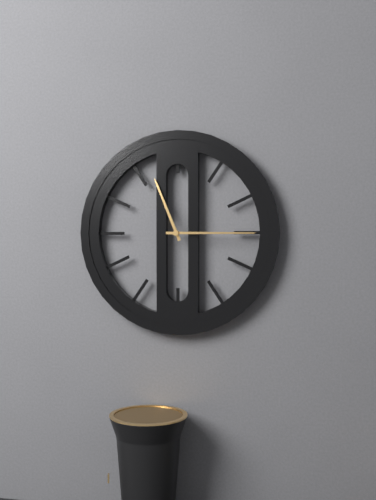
11:15
